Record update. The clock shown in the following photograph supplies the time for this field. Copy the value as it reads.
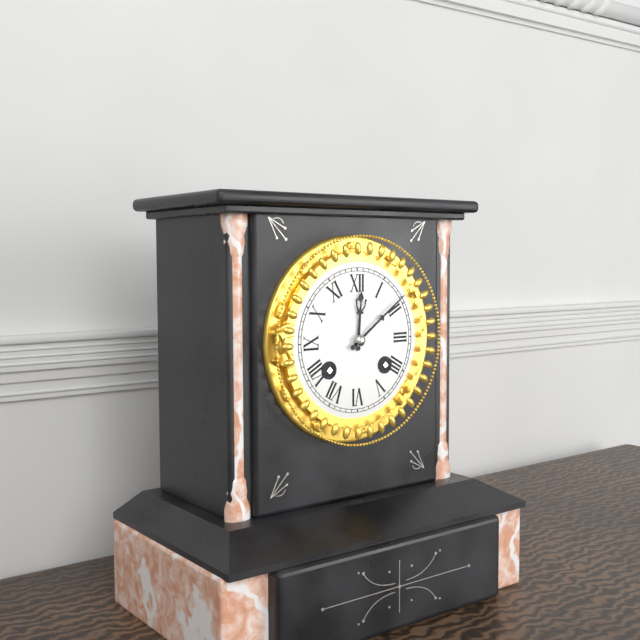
12:09
